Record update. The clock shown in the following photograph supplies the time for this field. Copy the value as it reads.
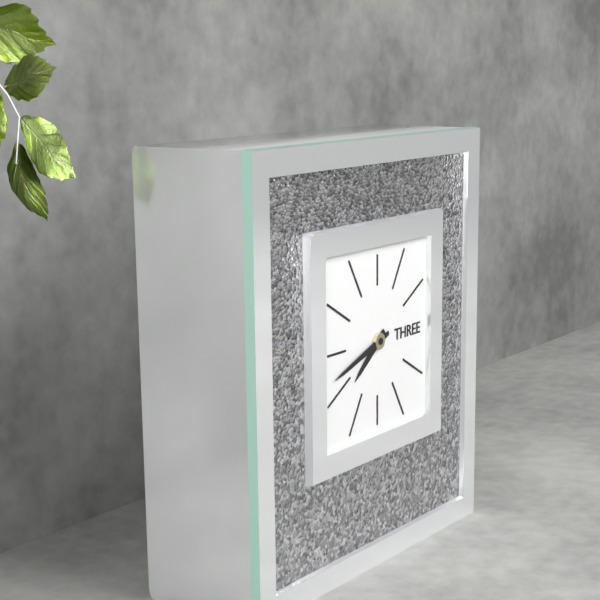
7:42
